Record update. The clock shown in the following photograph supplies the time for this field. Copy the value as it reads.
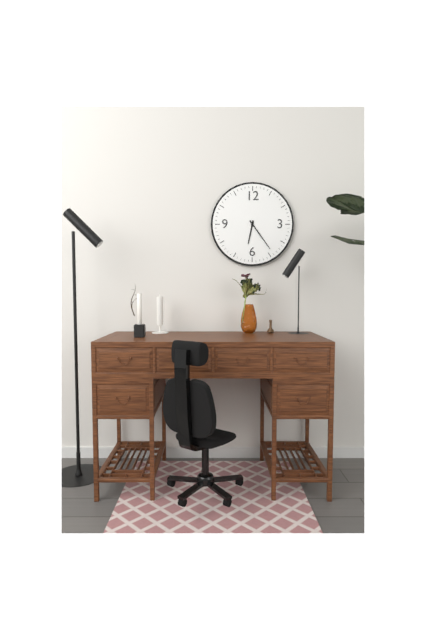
6:24
